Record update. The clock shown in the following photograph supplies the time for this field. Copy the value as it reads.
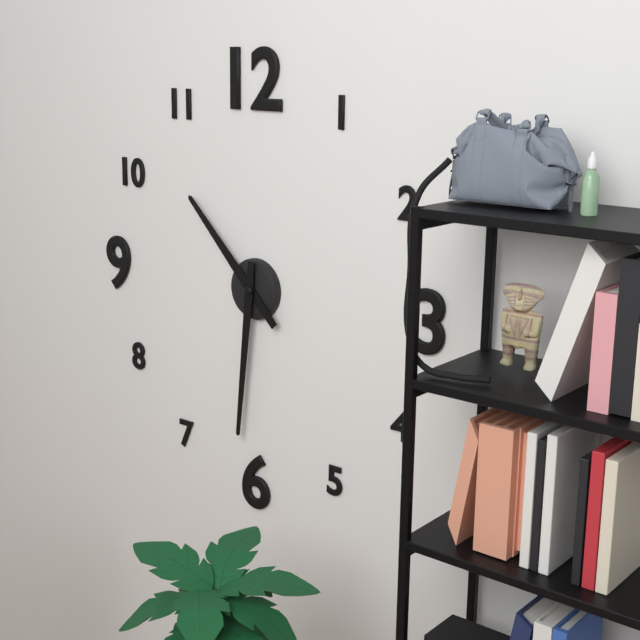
10:31
